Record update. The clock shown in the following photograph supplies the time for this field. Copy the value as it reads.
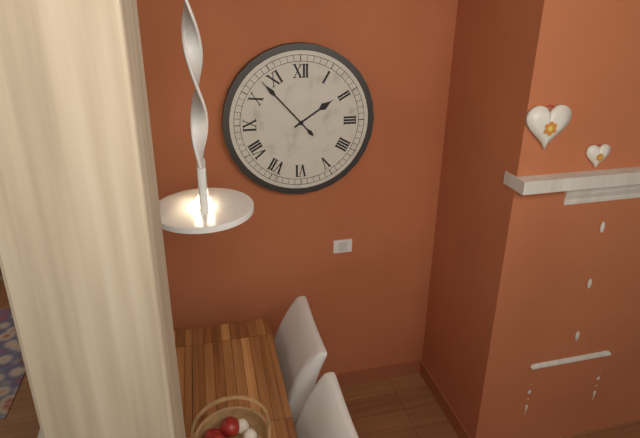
1:53
